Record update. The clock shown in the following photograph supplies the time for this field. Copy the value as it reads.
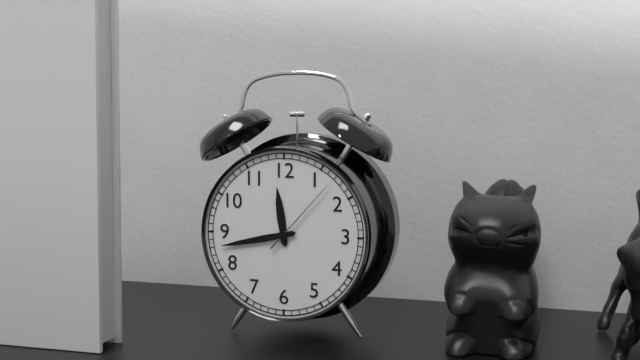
11:43:07
